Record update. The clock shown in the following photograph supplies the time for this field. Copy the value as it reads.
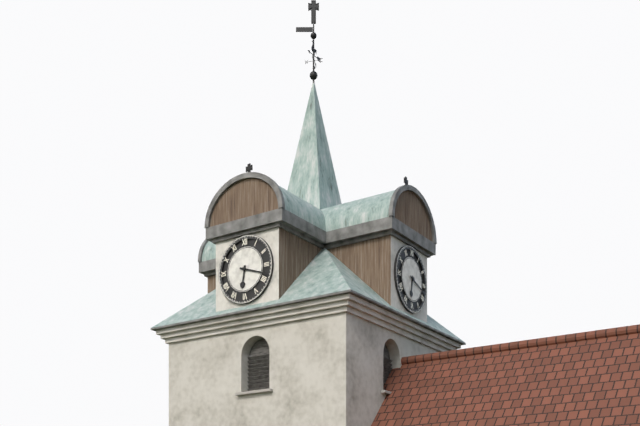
6:18
